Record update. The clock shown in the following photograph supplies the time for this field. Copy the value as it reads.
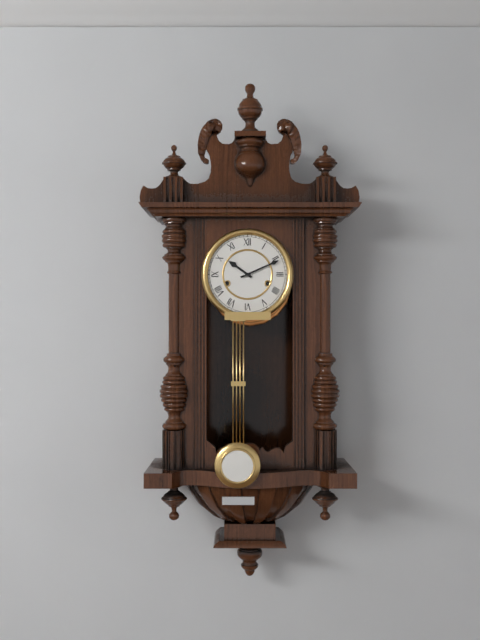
10:11
